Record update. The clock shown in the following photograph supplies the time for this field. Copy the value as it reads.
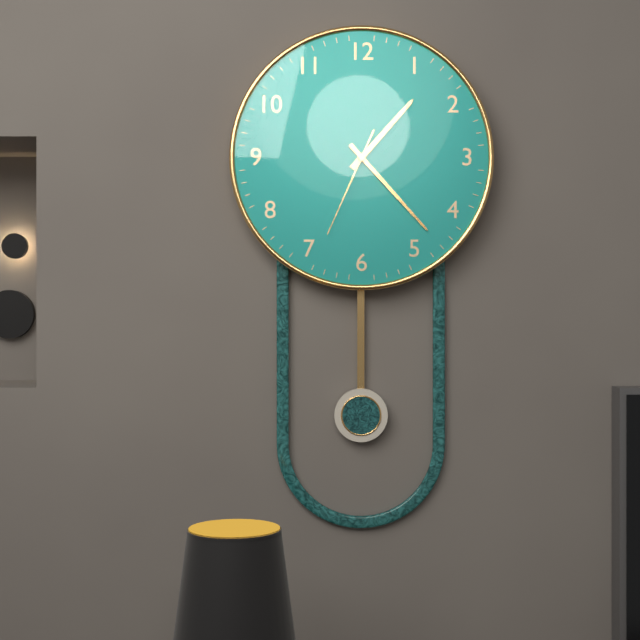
1:23:34
